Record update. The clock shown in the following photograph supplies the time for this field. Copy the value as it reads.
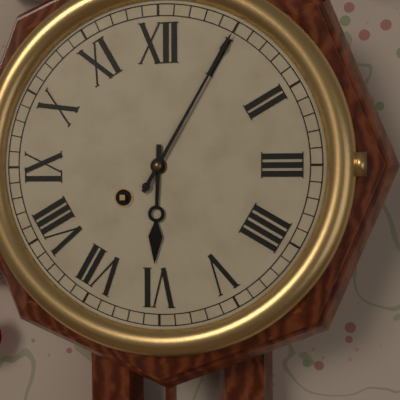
6:05
